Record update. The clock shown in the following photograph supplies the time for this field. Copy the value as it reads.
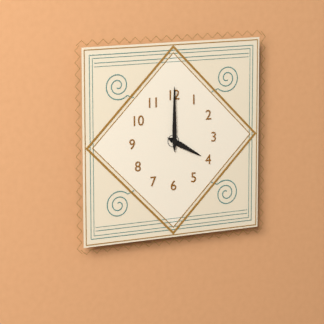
4:00
